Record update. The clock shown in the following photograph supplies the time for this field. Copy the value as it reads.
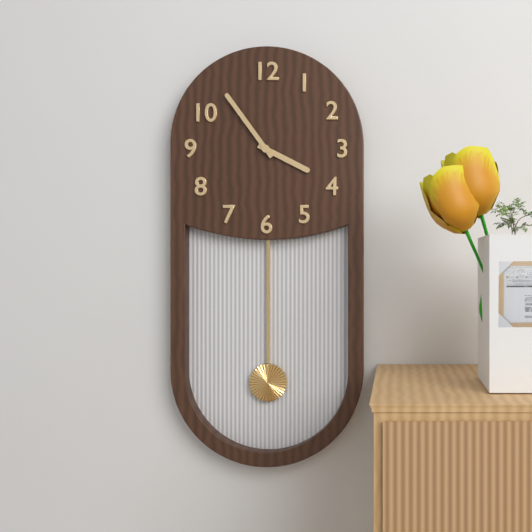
3:54
